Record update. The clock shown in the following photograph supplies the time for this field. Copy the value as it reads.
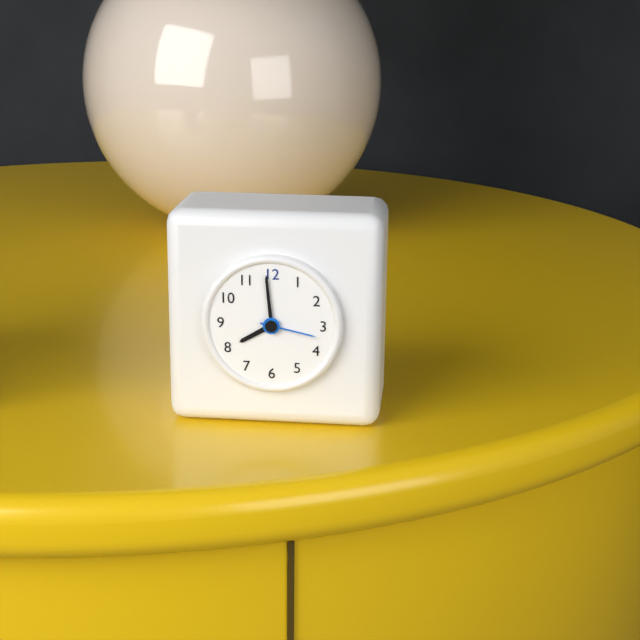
7:59:17
